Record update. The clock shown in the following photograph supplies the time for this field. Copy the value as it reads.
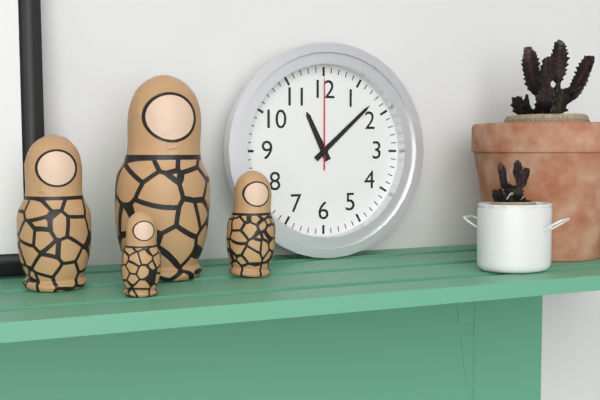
11:08:00
